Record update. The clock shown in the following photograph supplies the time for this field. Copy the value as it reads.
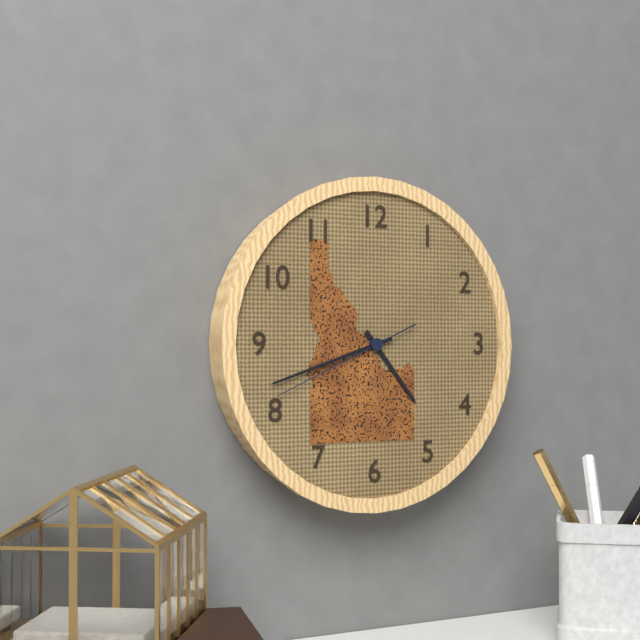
4:42:41
